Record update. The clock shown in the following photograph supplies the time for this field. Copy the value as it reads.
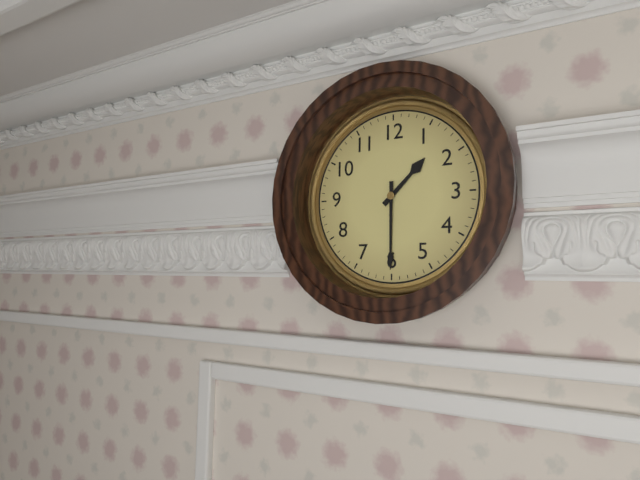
1:30
